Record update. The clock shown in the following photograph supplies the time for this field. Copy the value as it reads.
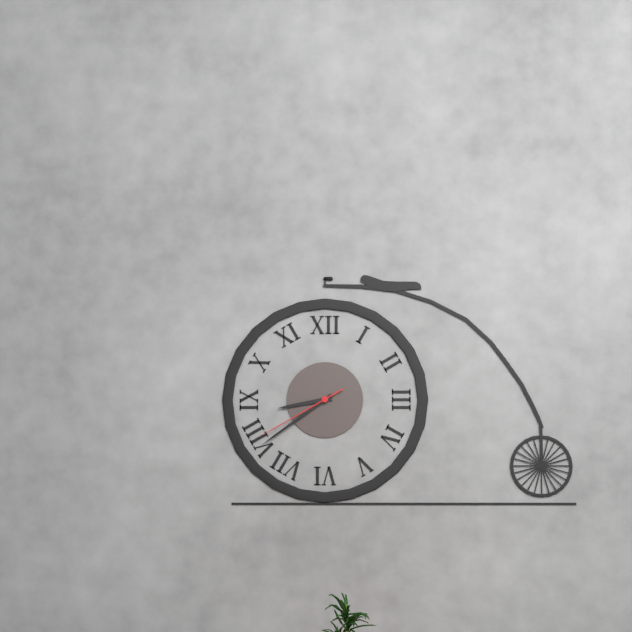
8:39:40
